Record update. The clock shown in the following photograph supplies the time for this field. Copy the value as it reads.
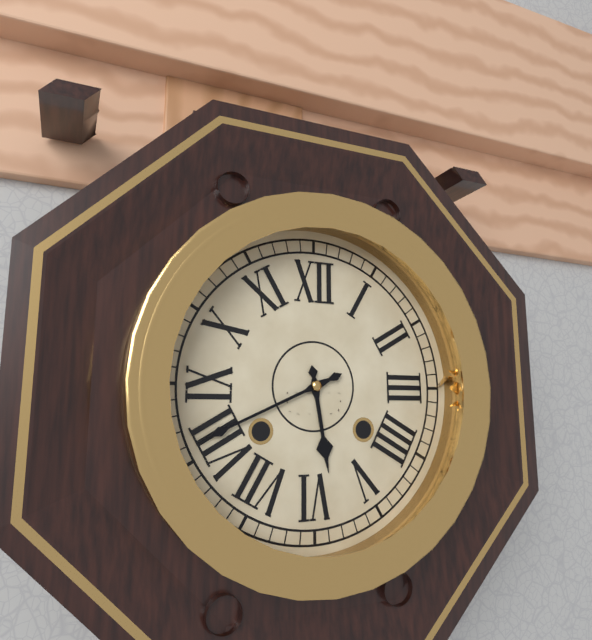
5:41
